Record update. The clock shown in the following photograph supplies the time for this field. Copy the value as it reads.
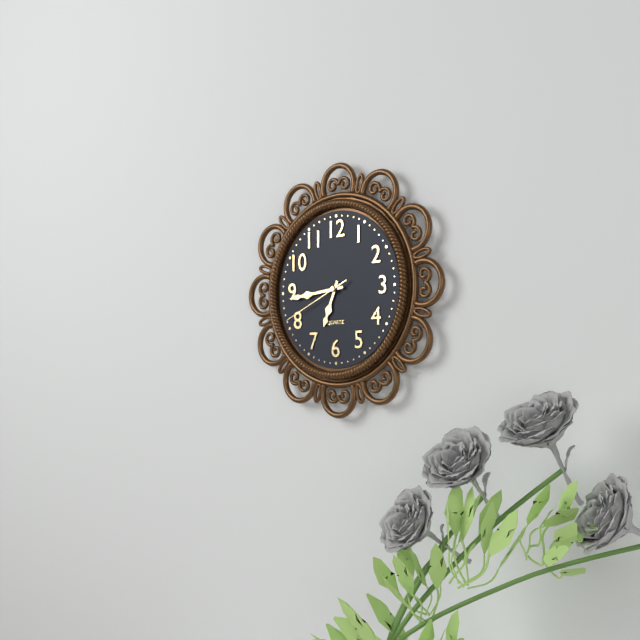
6:44:41
